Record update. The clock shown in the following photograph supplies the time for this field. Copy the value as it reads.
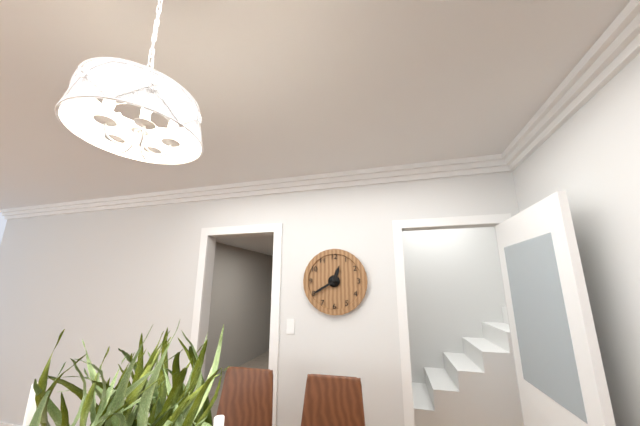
12:40
